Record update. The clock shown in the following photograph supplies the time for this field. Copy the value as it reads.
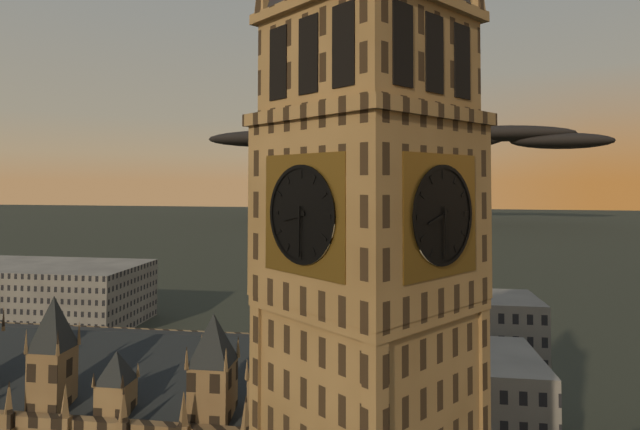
8:30
